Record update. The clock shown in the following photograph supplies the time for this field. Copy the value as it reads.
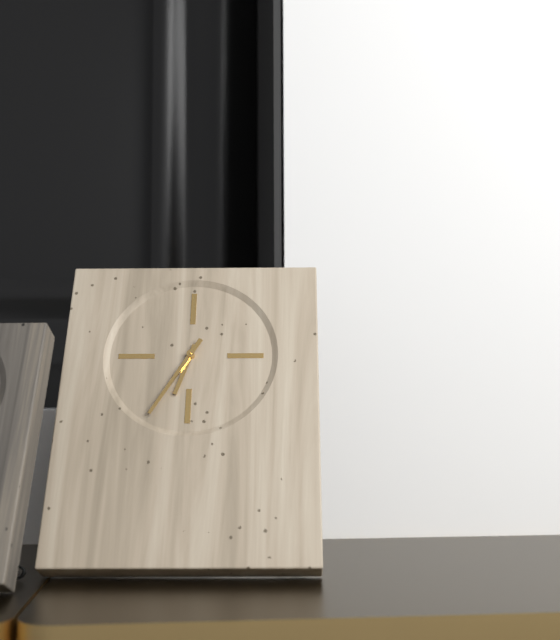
6:35
